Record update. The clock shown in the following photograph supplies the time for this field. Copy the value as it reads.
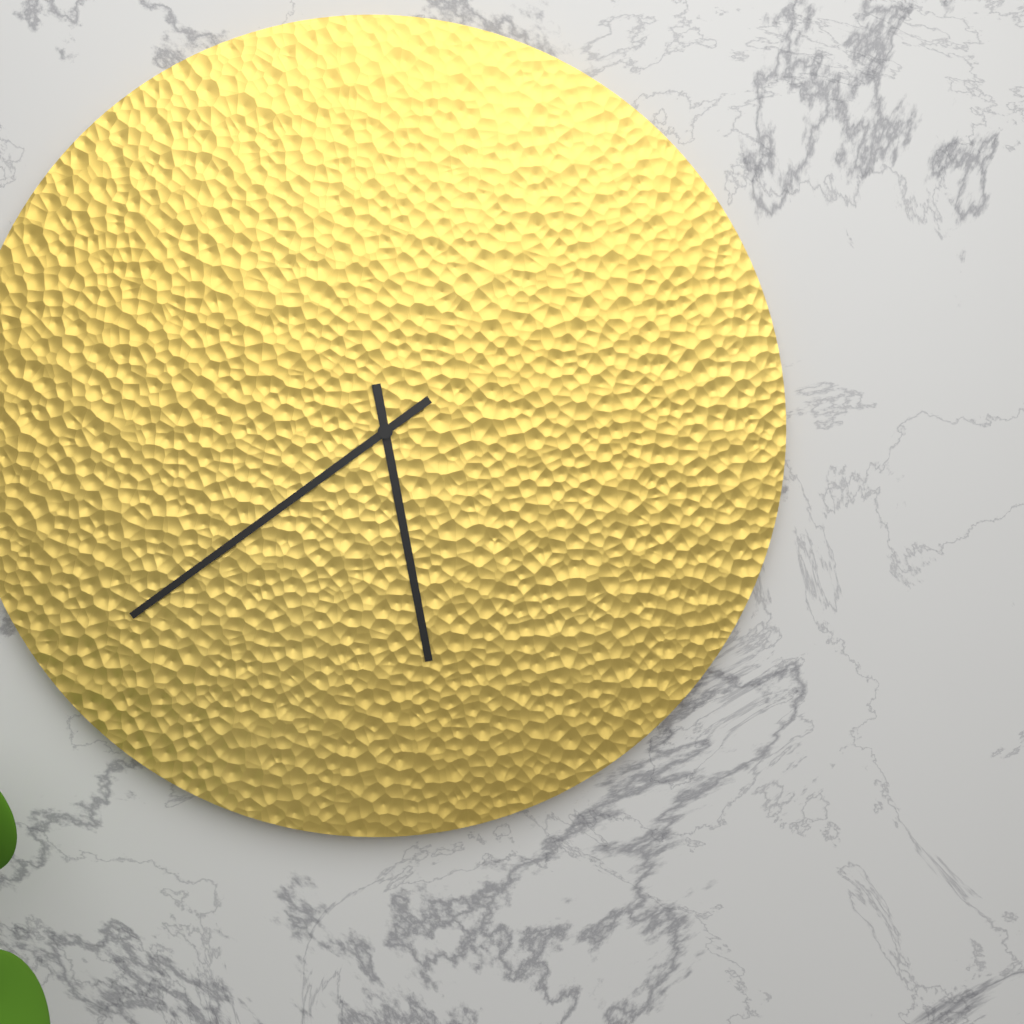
5:39
